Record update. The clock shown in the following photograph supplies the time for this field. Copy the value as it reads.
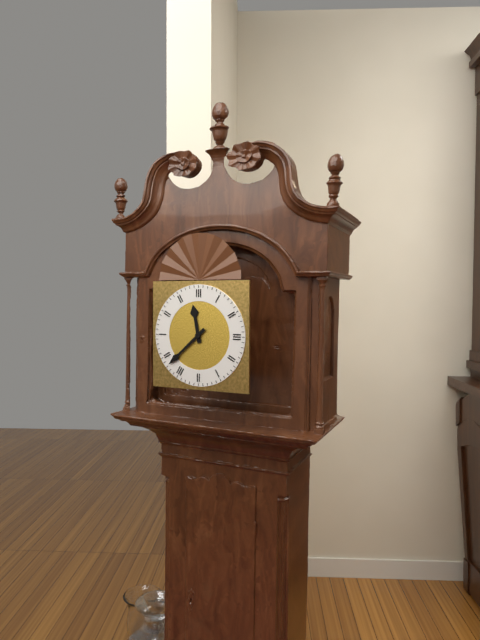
11:38
